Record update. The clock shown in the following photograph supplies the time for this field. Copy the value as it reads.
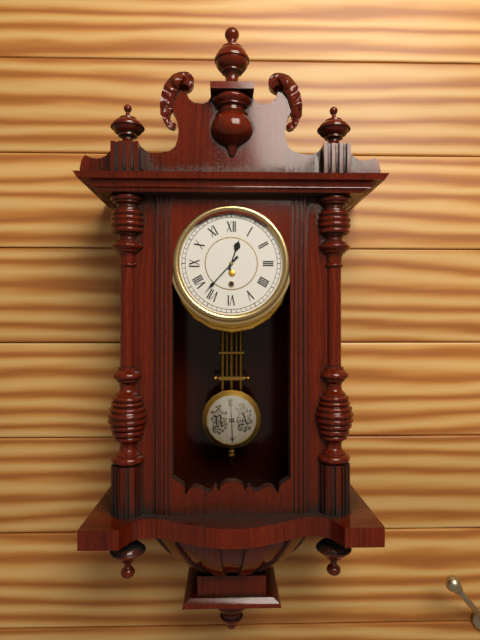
12:37
